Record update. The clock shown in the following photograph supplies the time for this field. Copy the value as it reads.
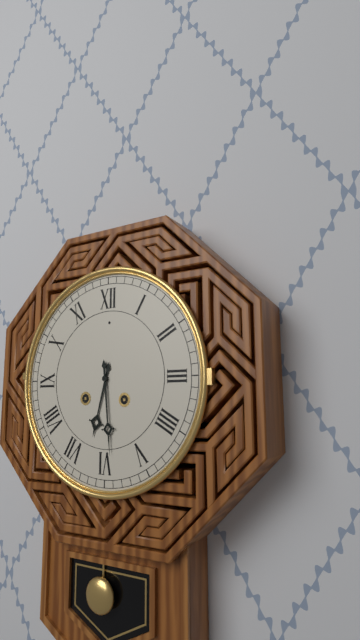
6:29
